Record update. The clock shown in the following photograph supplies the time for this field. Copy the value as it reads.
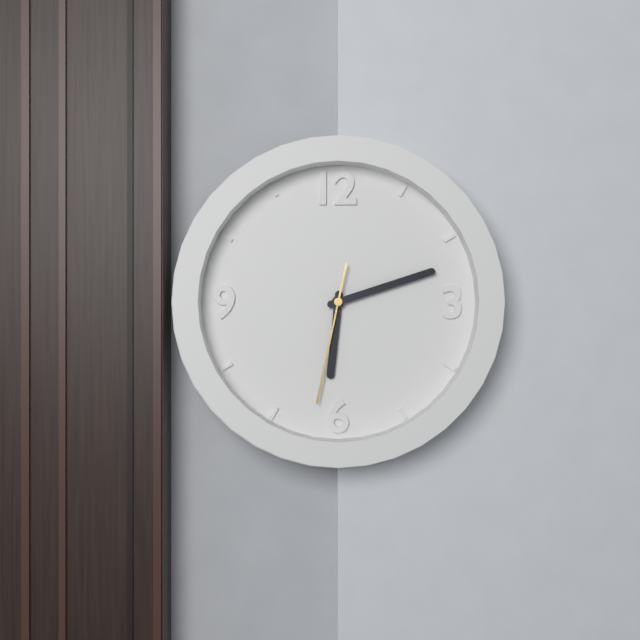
6:12:32
